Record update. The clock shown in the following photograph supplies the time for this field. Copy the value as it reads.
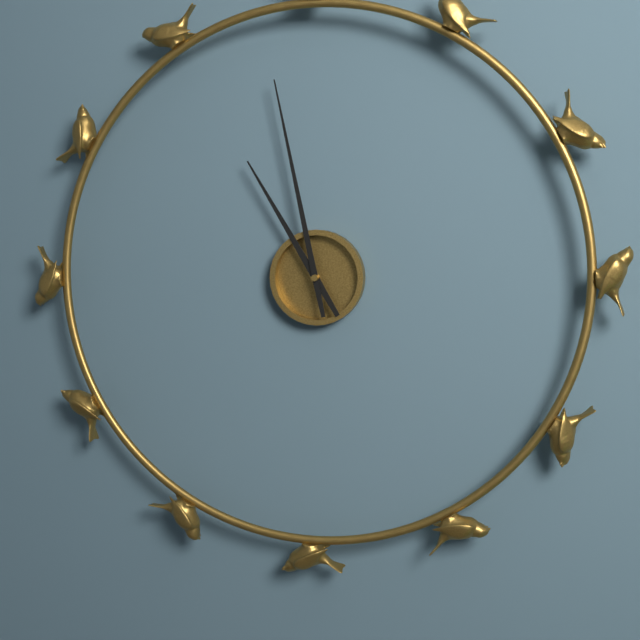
10:58
